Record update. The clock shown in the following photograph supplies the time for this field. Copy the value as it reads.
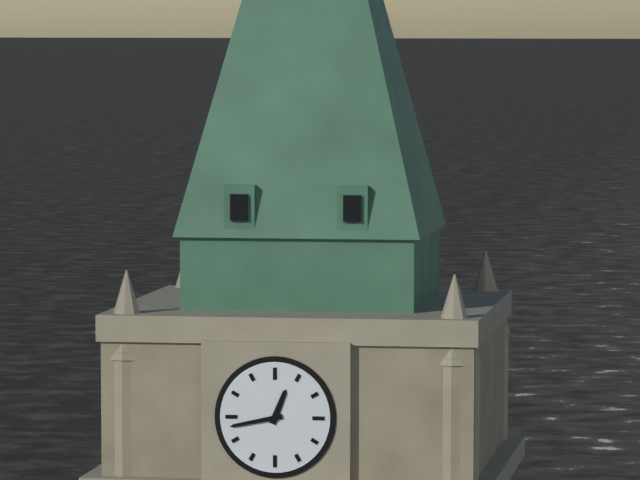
12:43
